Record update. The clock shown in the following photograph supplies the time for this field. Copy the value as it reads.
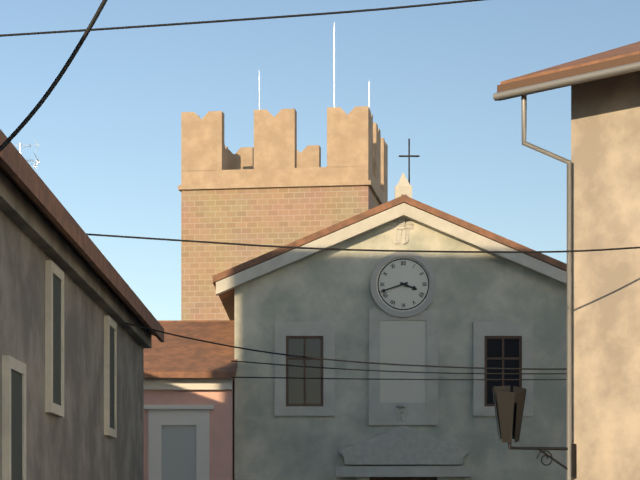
3:42
